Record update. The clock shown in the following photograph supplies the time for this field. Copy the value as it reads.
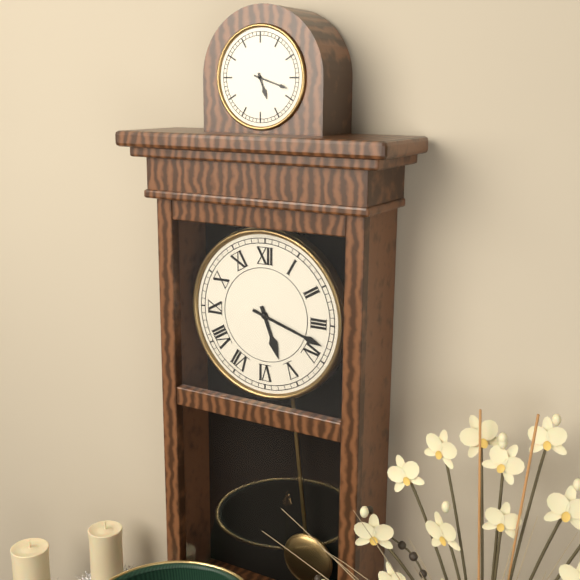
5:18
